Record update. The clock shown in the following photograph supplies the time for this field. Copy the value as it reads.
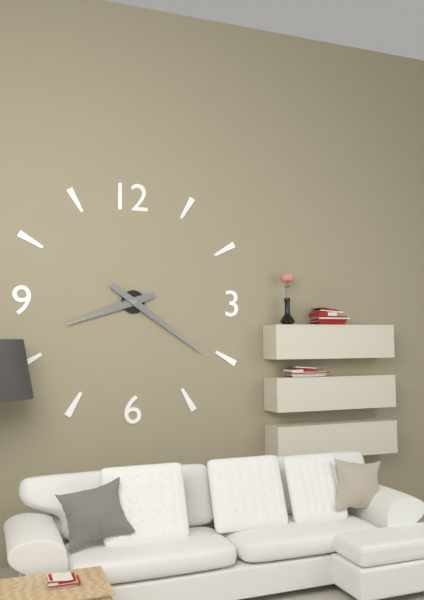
8:21
